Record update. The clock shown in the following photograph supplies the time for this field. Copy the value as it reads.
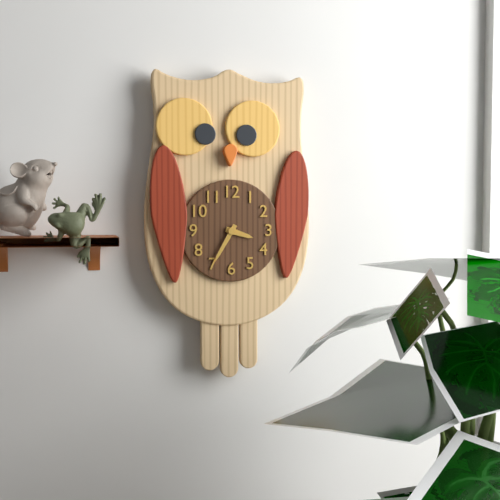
3:35
